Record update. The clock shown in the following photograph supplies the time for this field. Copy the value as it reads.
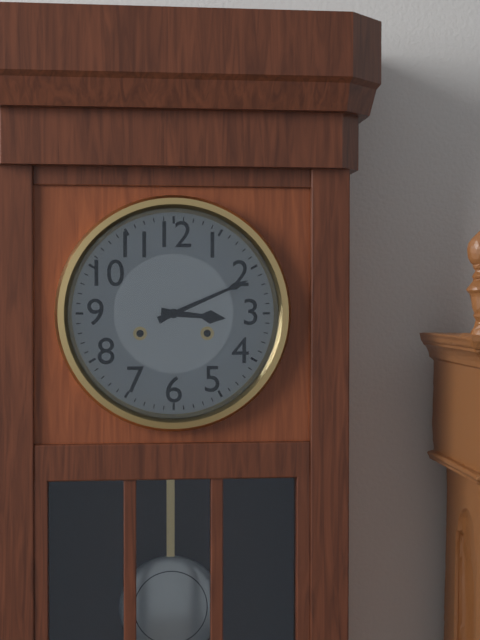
3:11
